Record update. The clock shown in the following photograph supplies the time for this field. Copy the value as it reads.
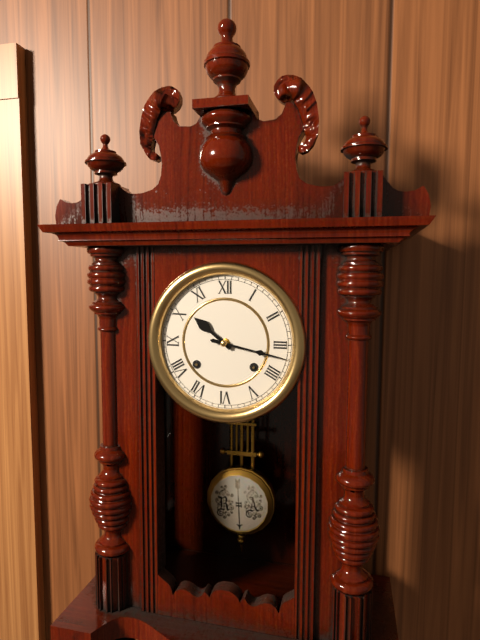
10:17
